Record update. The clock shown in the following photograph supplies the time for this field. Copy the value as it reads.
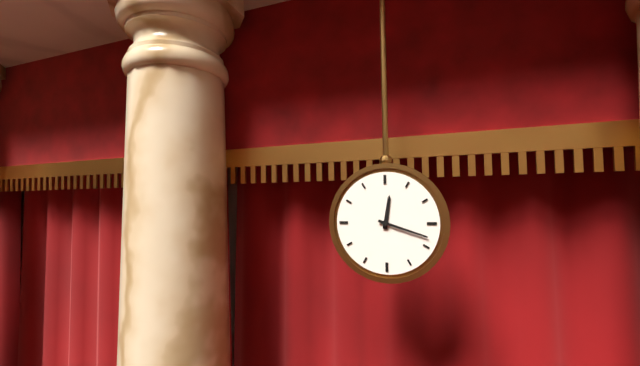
12:18
